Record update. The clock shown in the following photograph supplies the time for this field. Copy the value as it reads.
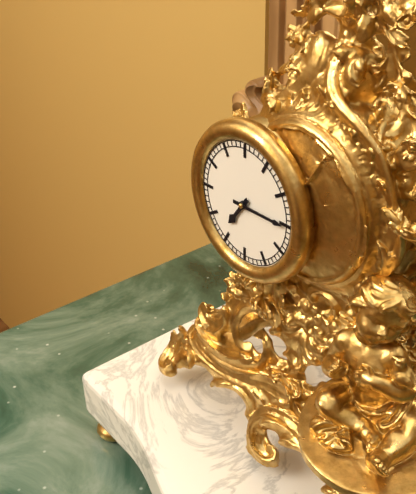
7:15
